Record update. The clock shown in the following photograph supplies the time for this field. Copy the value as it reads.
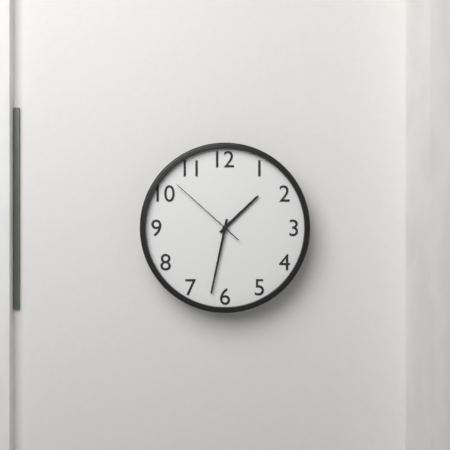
1:32:52
